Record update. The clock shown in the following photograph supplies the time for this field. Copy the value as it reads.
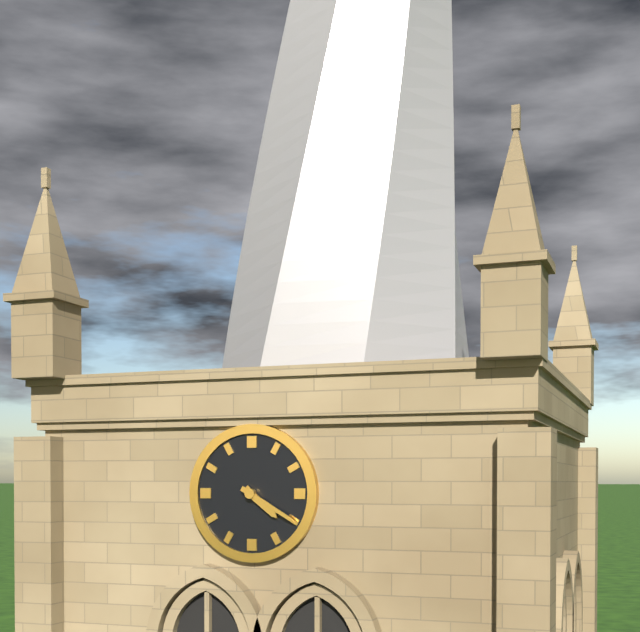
4:20
